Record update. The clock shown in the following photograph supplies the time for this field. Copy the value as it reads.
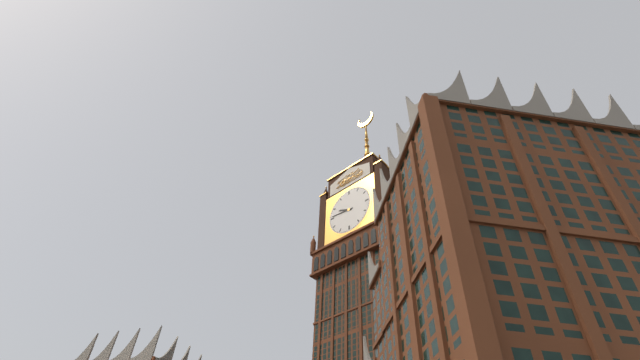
9:46
